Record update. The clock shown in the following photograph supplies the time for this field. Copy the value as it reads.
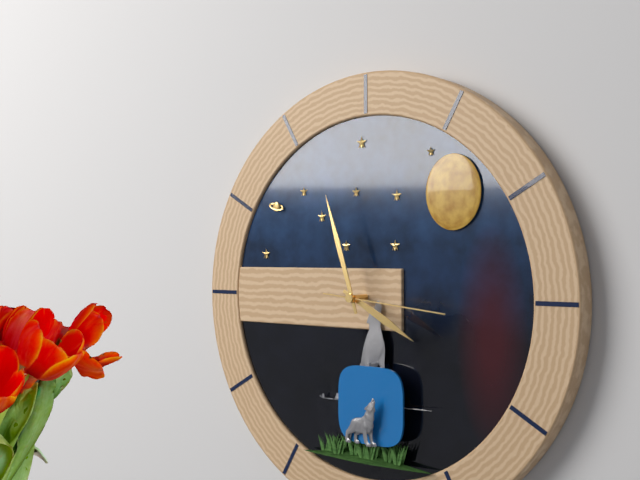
3:57:16
